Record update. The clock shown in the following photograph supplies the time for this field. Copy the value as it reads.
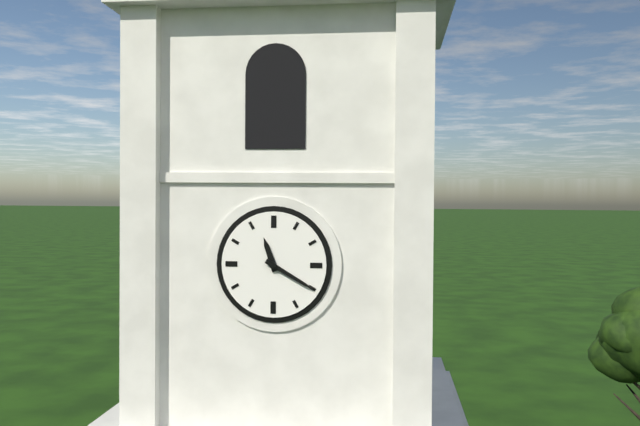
11:20
